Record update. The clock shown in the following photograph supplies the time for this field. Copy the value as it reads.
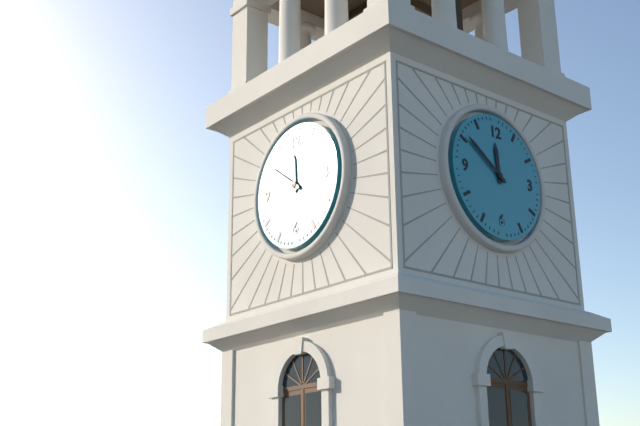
11:51
